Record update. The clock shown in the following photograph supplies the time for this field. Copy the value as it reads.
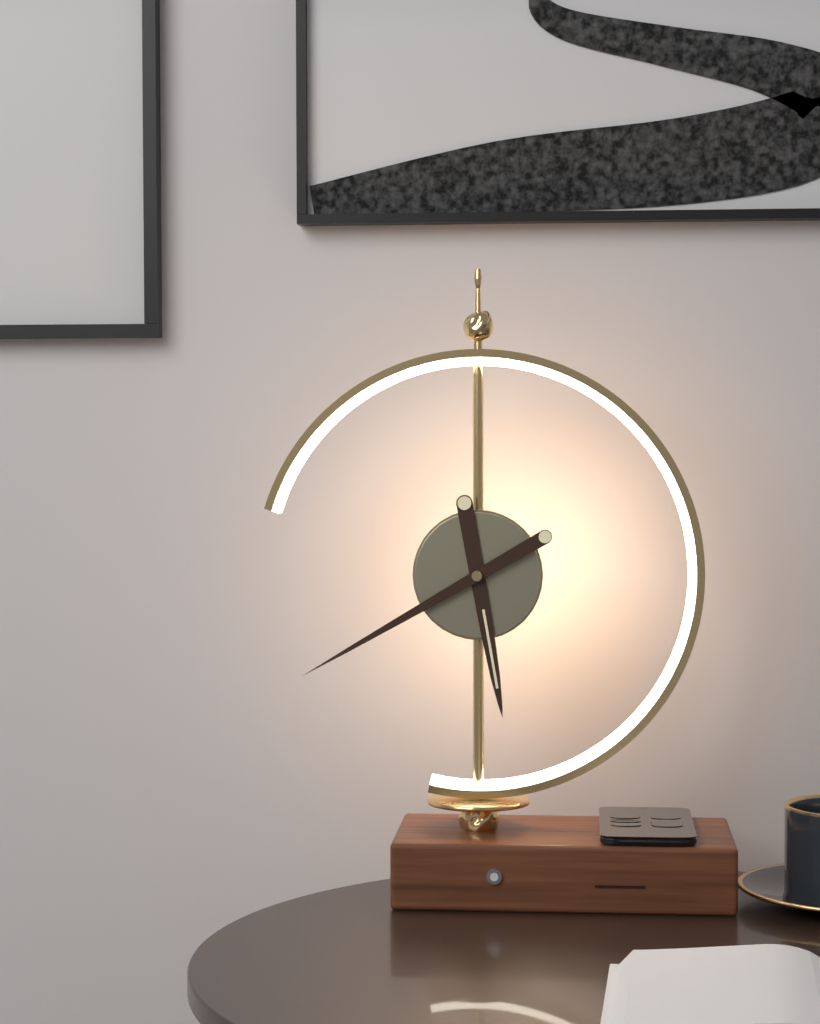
5:40
